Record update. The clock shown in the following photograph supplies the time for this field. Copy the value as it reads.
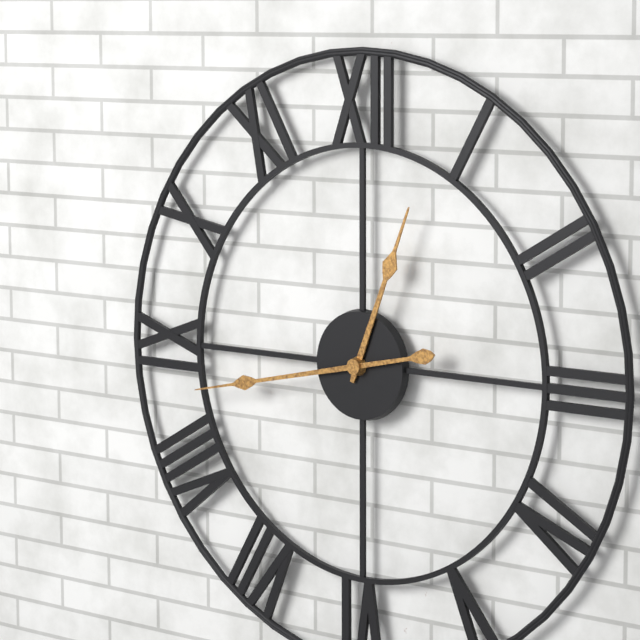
12:43
